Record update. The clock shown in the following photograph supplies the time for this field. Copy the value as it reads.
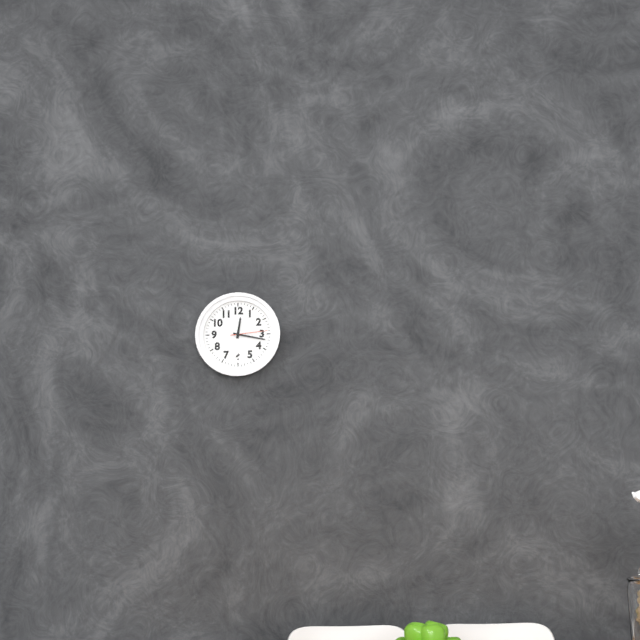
12:17
